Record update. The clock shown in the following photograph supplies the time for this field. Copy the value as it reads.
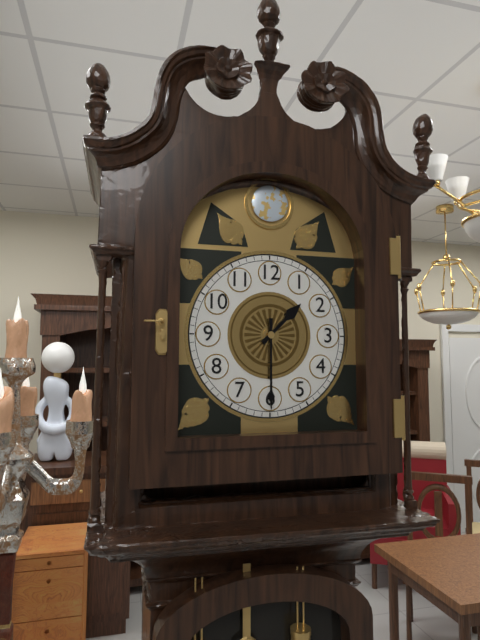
1:30
